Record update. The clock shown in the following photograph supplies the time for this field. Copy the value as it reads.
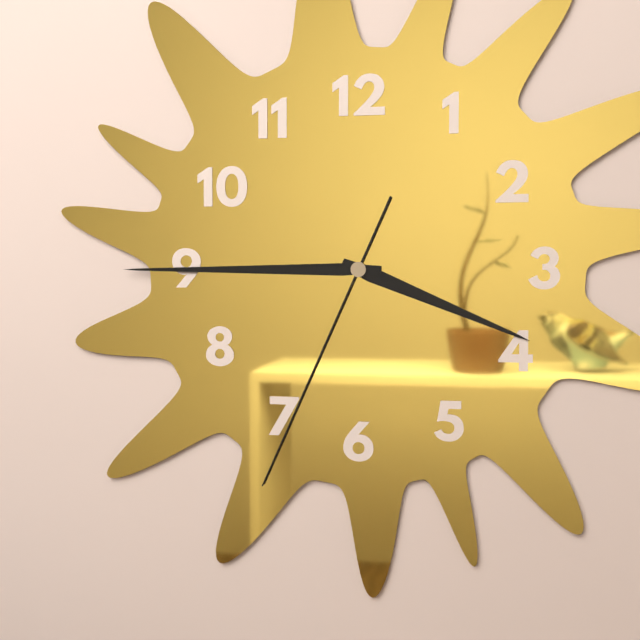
3:45:34
